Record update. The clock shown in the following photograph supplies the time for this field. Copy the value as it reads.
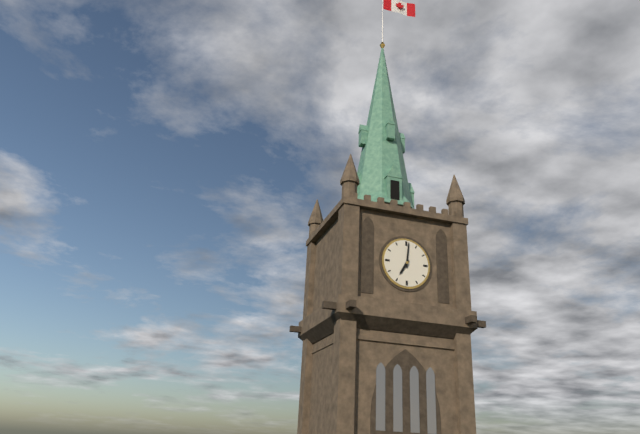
7:01
